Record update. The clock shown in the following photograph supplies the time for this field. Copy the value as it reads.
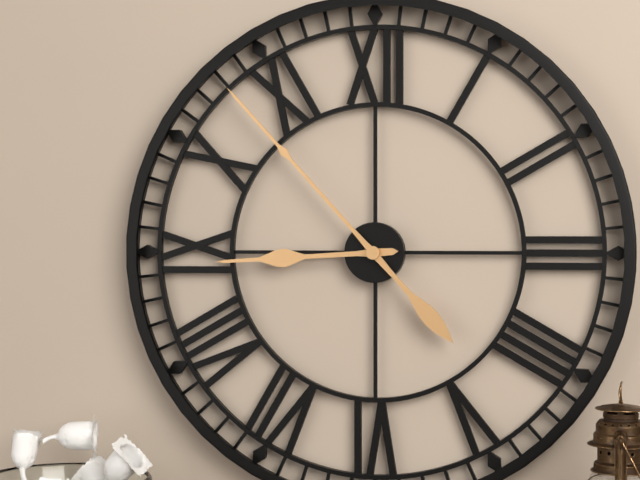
8:53
